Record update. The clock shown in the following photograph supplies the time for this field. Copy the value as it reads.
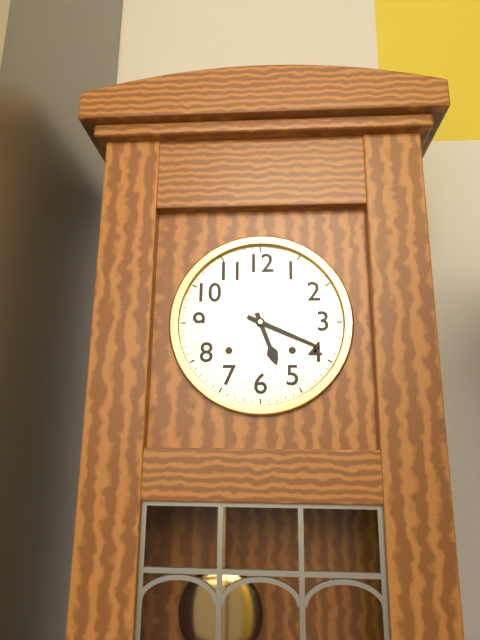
5:19
